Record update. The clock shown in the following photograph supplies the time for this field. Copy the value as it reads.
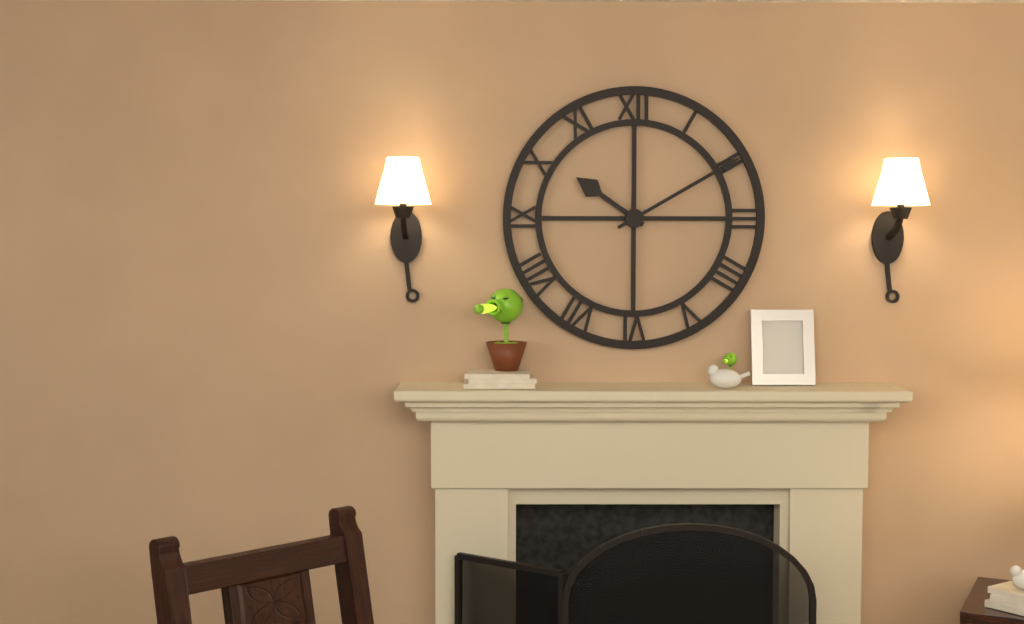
10:10
